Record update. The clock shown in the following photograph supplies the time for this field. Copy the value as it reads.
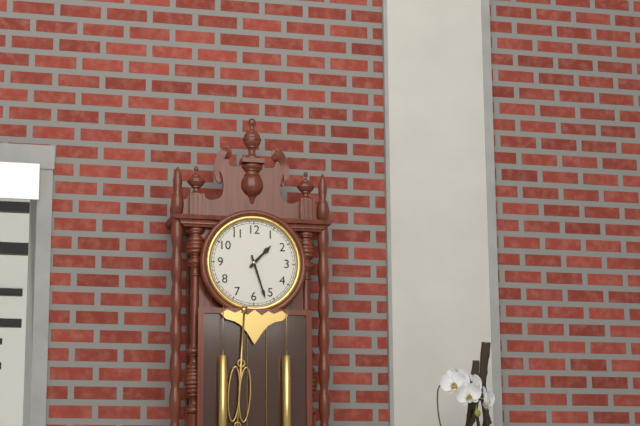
1:27
